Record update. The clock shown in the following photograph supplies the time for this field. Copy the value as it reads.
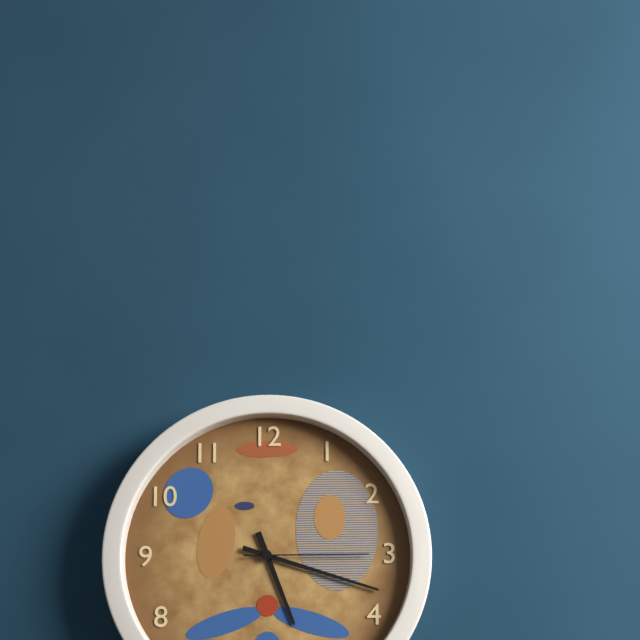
5:18:15
